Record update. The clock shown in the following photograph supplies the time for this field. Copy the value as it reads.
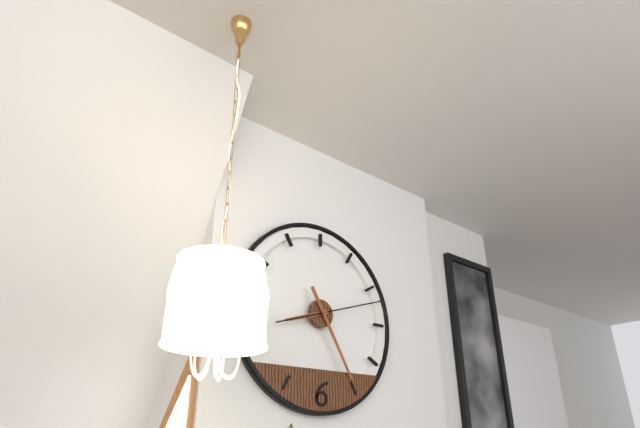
8:25:12
